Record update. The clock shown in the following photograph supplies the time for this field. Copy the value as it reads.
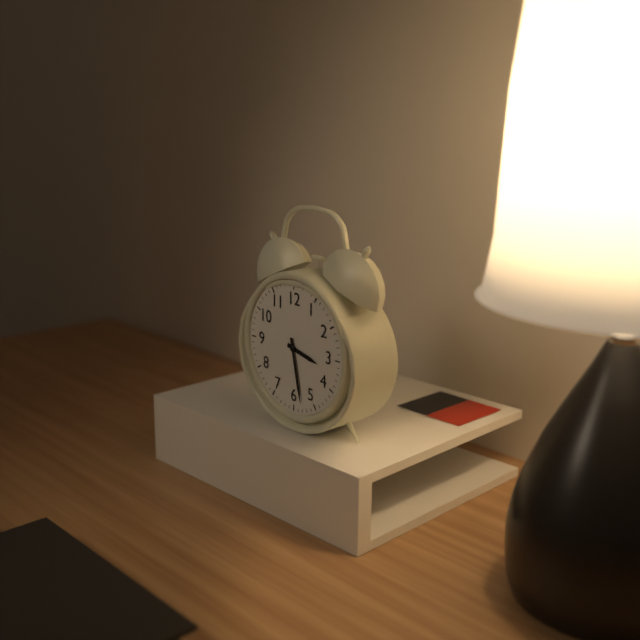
3:28
